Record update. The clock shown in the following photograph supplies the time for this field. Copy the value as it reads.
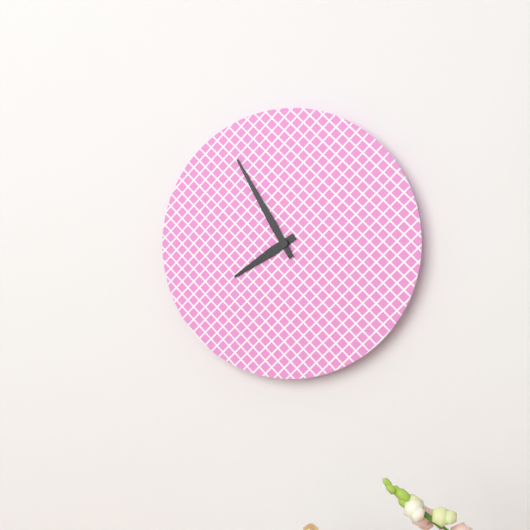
7:55
